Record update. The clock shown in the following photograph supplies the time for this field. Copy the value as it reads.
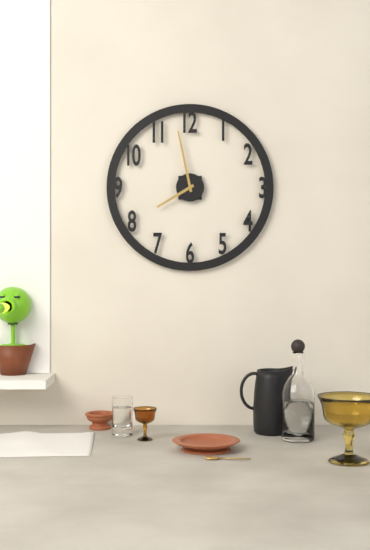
7:58
